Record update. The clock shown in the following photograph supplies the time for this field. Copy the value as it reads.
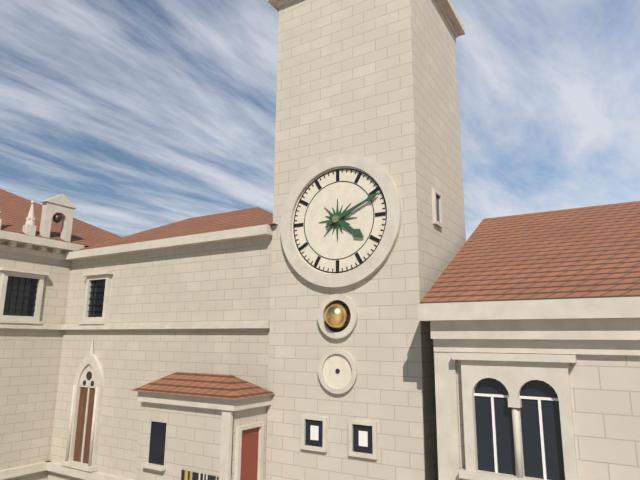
4:11
